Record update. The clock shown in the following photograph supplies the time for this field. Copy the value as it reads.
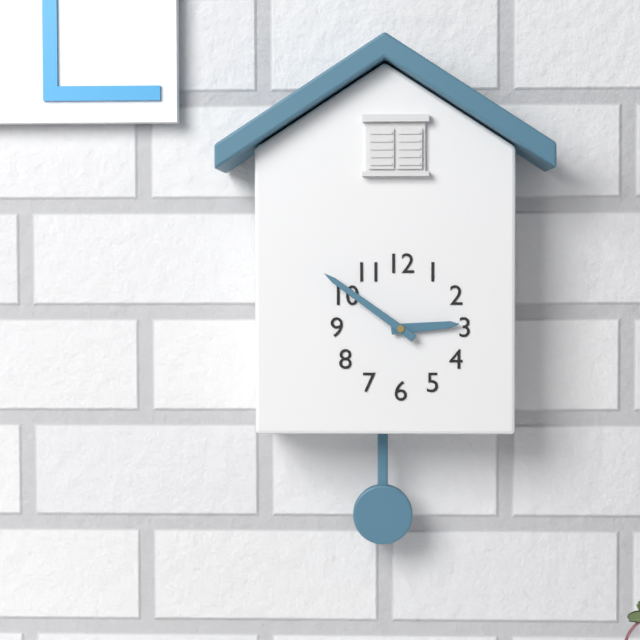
2:51
